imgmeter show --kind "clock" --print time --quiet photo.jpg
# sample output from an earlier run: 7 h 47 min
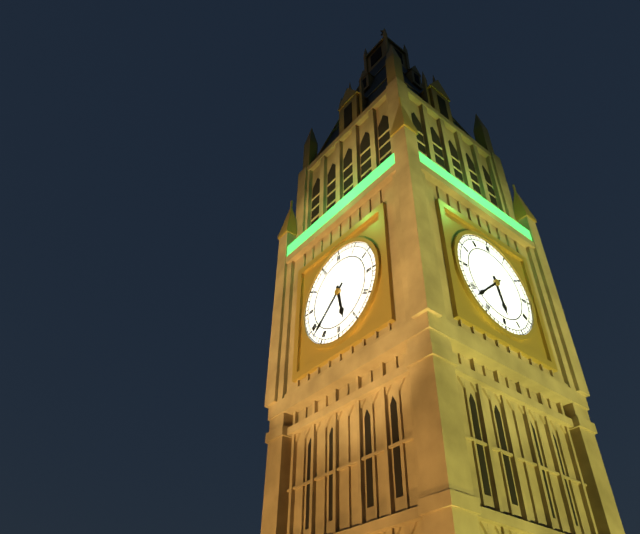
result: 5 h 38 min
